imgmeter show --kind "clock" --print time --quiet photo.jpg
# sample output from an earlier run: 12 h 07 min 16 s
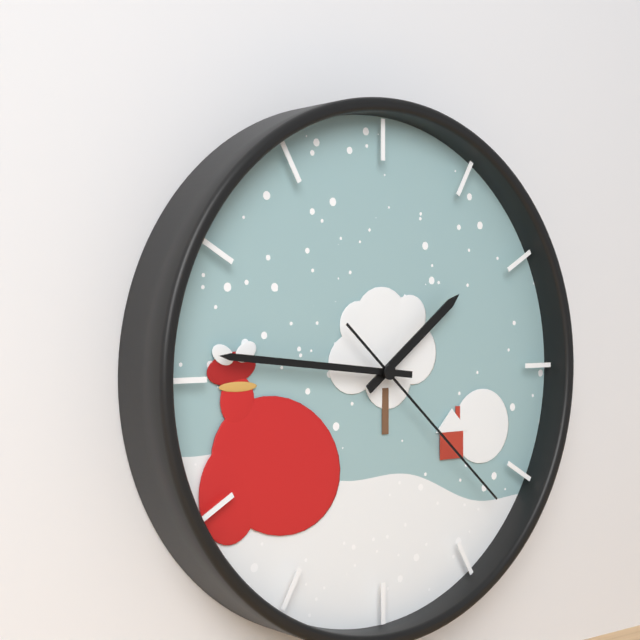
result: 1 h 46 min 22 s
